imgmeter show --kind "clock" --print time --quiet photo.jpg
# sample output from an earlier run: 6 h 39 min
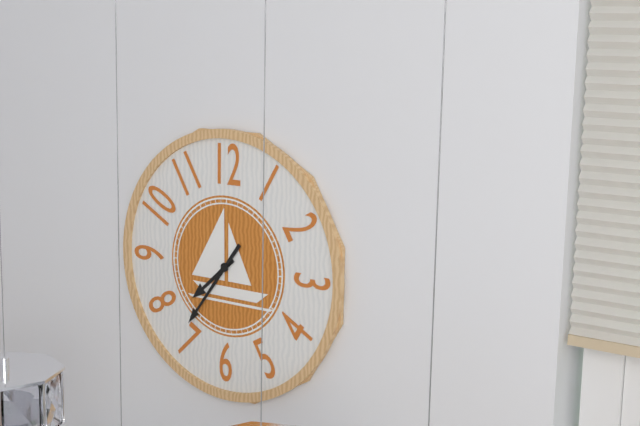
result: 7 h 36 min
